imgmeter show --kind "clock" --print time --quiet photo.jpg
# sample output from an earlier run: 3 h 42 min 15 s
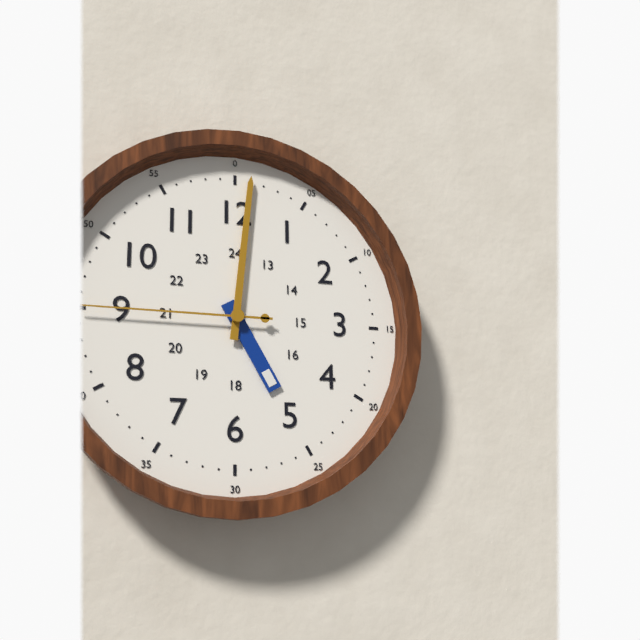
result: 5 h 01 min 45 s
